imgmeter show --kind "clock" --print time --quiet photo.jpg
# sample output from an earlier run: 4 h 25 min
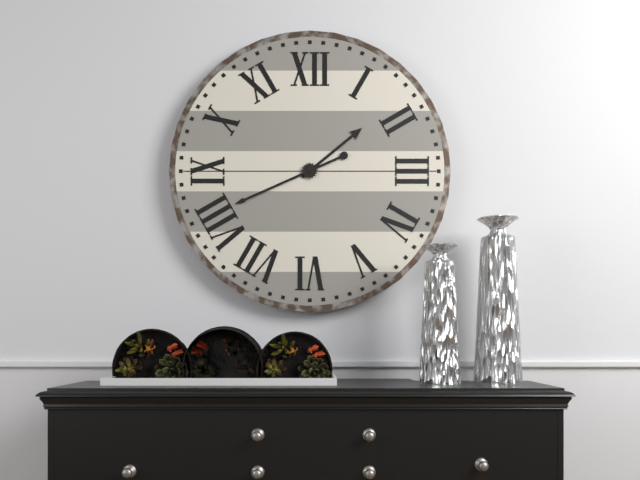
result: 1 h 41 min
